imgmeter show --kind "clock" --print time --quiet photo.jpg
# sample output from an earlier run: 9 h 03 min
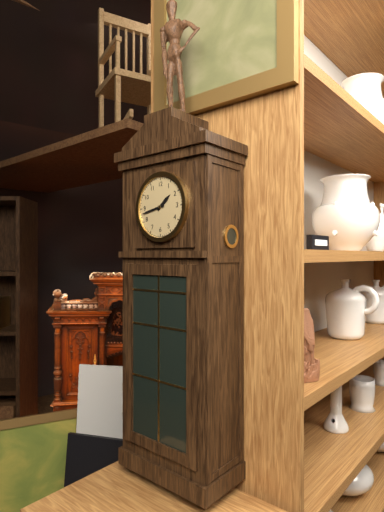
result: 1 h 43 min
